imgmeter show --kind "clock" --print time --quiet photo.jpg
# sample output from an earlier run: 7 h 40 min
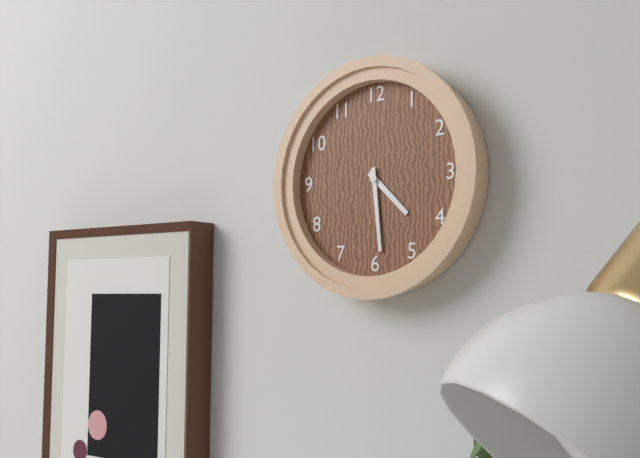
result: 4 h 29 min
